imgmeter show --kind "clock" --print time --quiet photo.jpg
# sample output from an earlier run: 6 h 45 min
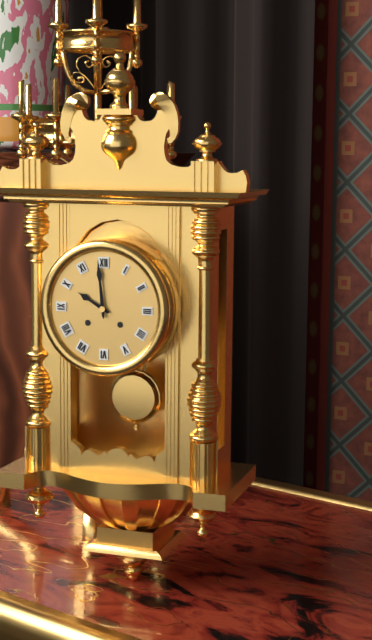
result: 9 h 59 min
